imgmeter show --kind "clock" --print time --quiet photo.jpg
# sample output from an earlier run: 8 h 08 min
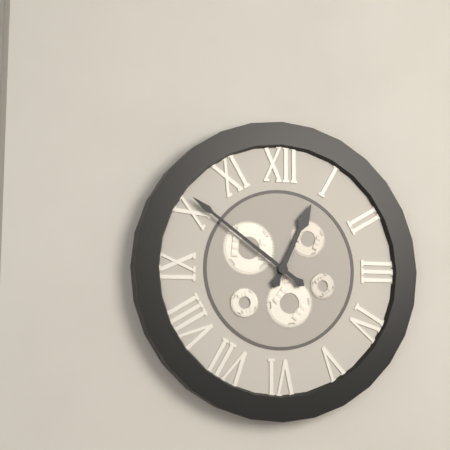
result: 12 h 51 min
